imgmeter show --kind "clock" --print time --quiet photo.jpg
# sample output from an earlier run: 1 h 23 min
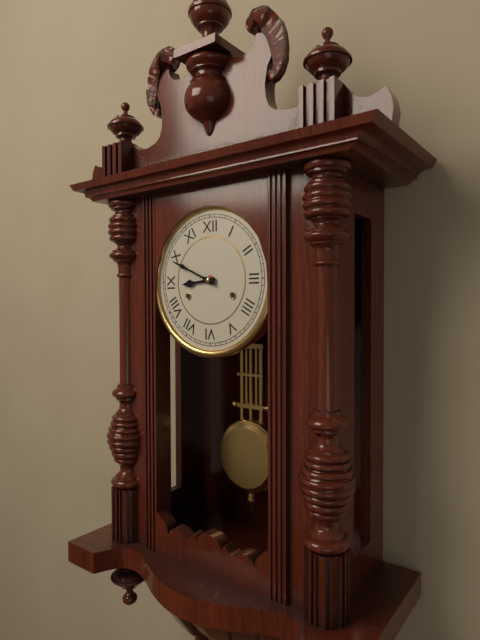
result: 8 h 49 min
